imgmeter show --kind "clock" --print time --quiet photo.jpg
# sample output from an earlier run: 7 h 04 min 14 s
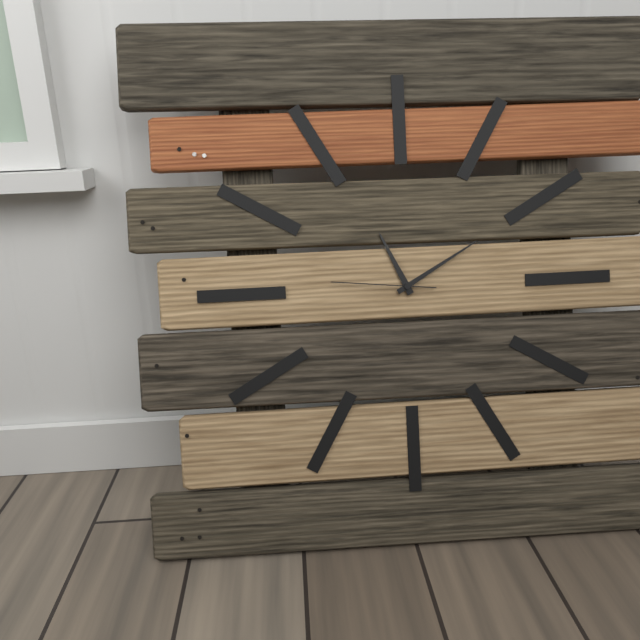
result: 11 h 10 min 46 s
